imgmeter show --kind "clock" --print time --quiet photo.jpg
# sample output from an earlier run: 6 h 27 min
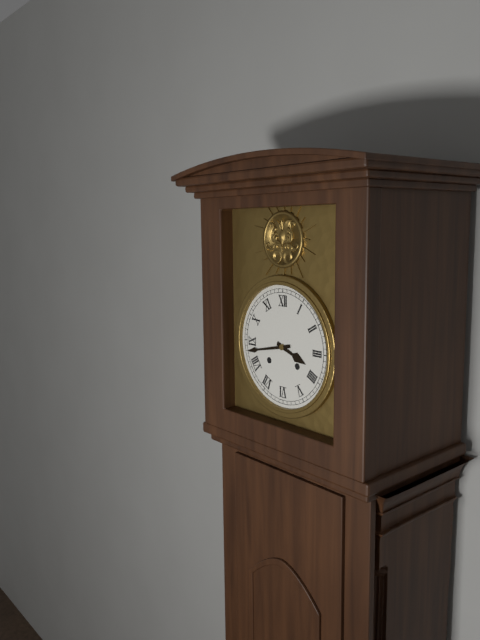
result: 3 h 43 min
